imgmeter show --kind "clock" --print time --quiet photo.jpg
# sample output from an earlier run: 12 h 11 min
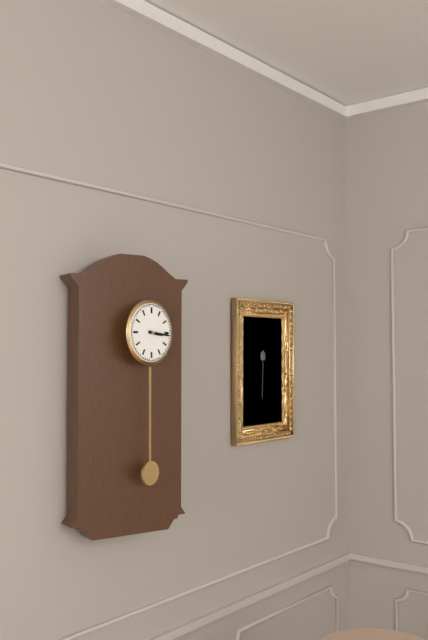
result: 3 h 16 min
